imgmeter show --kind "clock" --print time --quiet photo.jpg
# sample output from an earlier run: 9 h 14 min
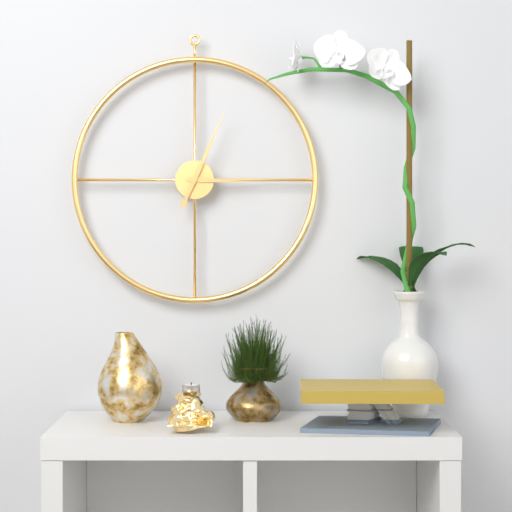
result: 3 h 04 min
